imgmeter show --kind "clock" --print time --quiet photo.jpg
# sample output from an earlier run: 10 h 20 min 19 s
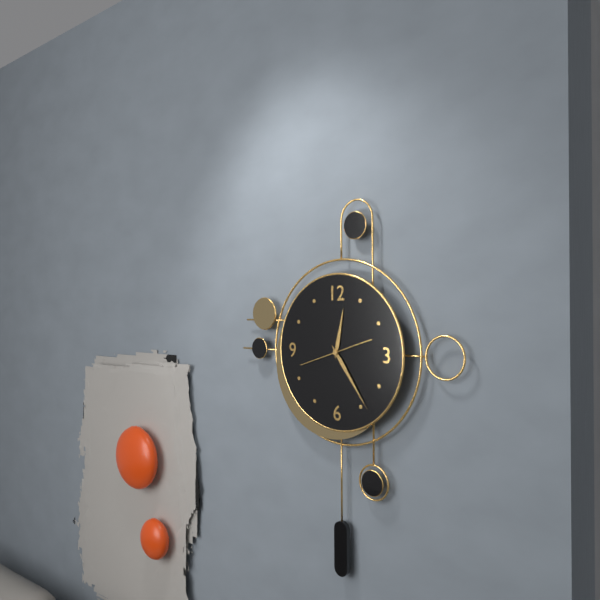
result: 12 h 24 min 42 s
